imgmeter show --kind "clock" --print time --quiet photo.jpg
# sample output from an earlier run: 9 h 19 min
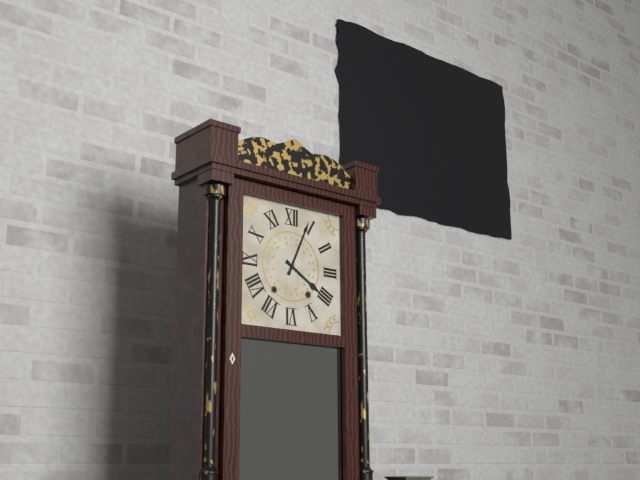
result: 4 h 04 min
